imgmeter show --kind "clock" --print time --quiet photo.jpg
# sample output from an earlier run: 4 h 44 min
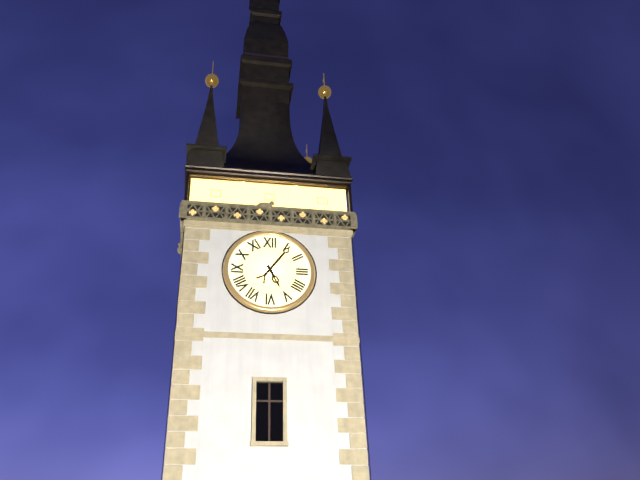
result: 5 h 06 min
